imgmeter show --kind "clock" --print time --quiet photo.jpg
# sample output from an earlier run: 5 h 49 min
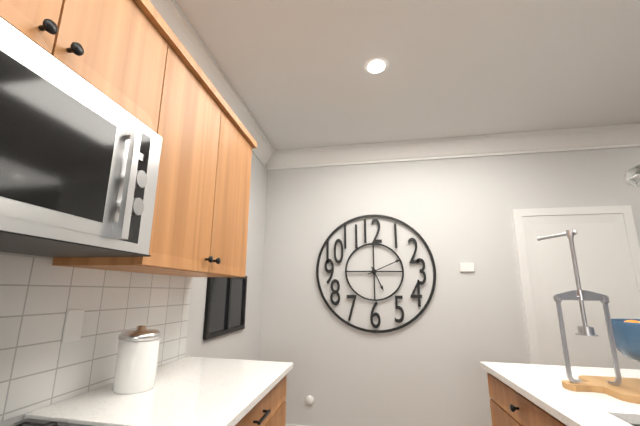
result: 5 h 11 min
